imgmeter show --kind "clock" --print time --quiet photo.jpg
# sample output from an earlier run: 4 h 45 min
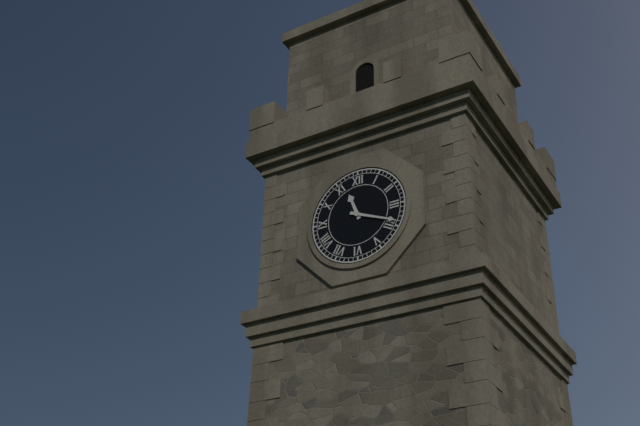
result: 11 h 19 min
